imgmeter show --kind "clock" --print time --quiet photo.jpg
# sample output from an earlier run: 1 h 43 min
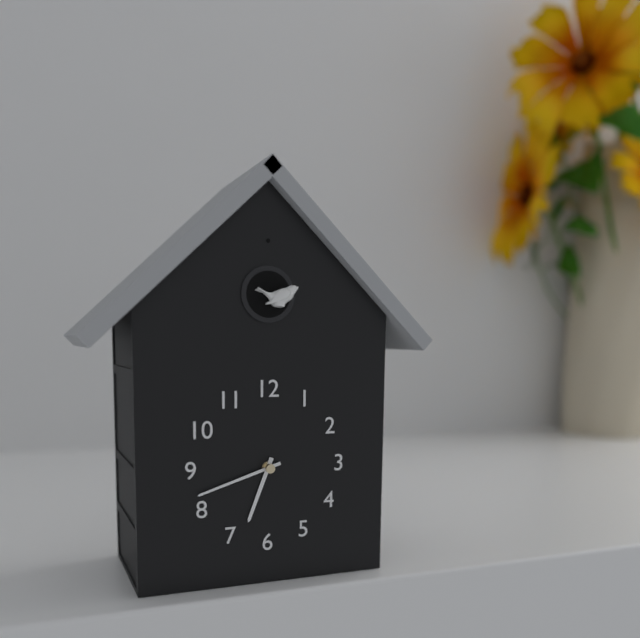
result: 6 h 42 min
